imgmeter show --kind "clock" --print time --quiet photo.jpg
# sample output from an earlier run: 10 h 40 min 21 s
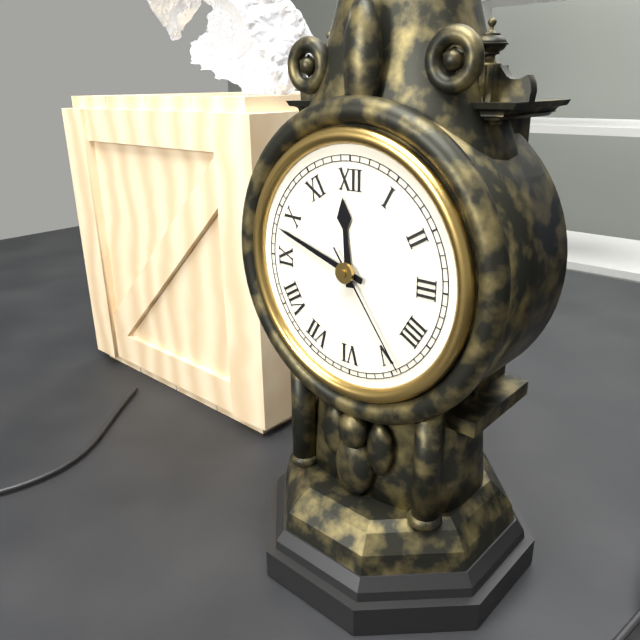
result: 11 h 48 min 24 s
